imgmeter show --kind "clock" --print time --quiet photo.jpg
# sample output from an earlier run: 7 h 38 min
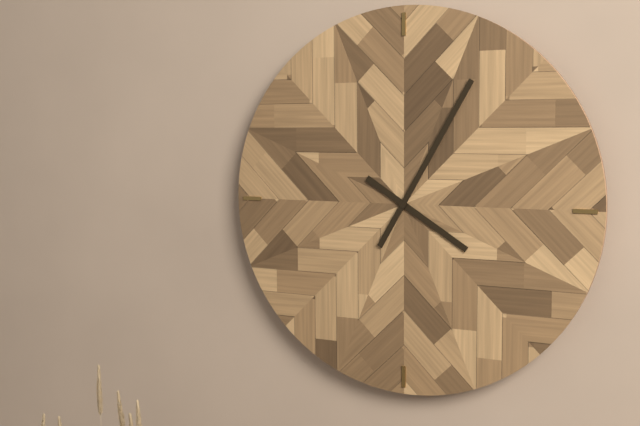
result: 4 h 05 min
